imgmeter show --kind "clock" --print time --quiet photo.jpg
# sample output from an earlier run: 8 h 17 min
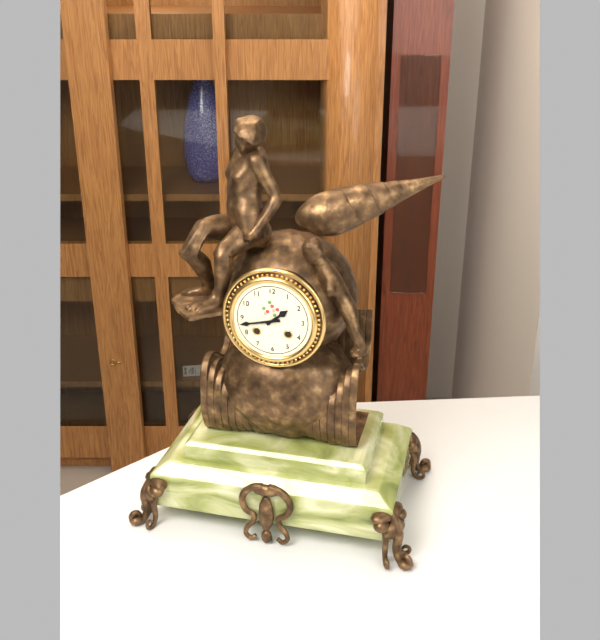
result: 1 h 43 min
